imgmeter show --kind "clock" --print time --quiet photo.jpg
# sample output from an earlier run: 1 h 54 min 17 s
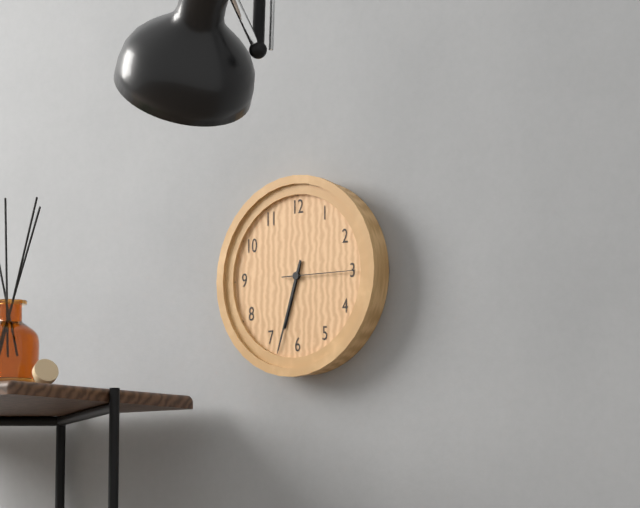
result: 6 h 33 min 15 s
